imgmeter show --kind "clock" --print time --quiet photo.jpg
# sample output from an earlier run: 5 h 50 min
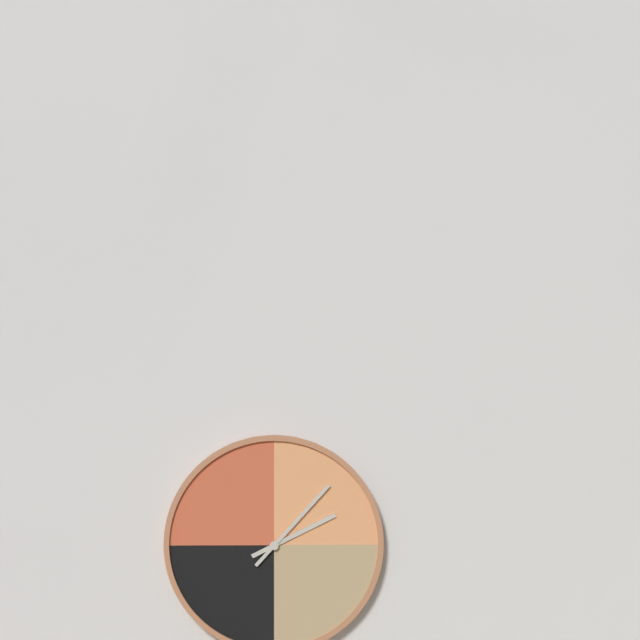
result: 2 h 07 min
